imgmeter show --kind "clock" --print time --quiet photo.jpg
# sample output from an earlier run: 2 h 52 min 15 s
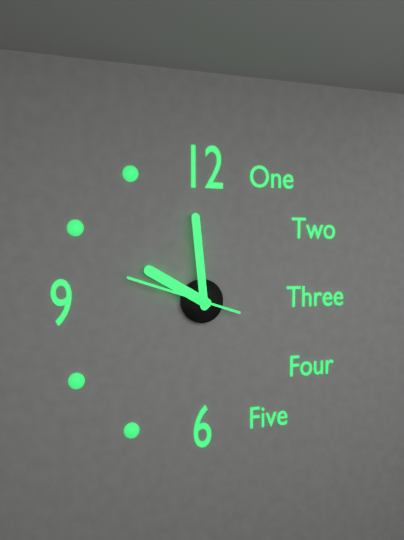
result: 9 h 59 min 48 s
